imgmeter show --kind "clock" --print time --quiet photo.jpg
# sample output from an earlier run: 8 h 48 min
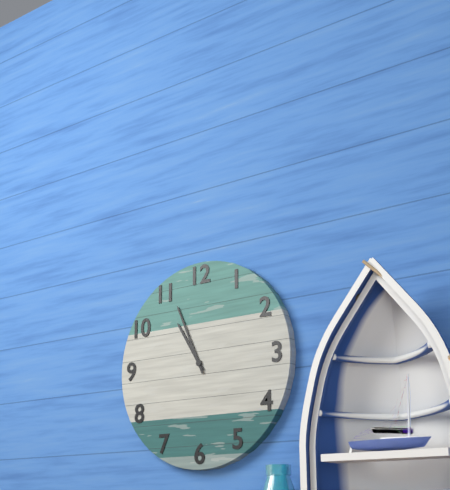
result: 10 h 56 min
